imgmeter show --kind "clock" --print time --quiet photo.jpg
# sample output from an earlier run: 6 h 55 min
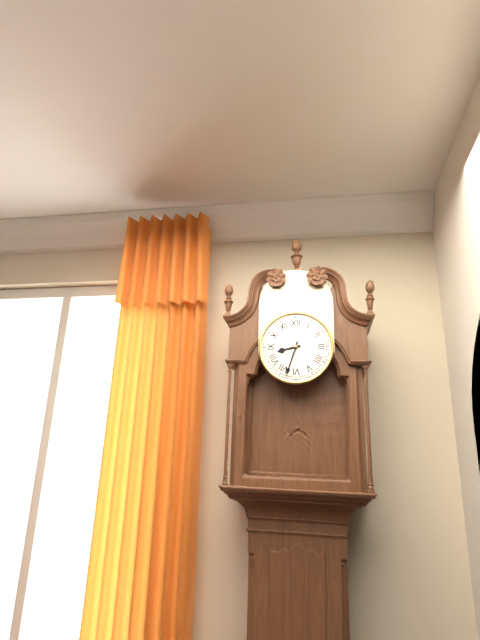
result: 8 h 33 min
